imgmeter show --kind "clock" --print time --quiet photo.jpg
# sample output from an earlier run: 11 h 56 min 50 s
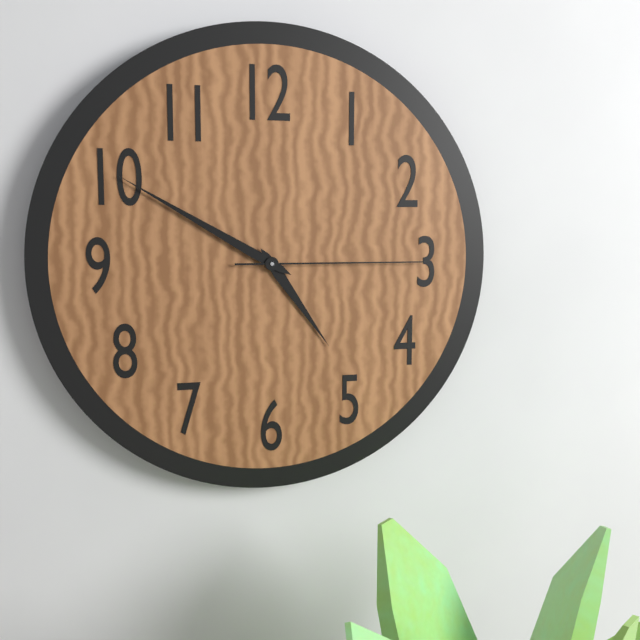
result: 4 h 50 min 15 s
